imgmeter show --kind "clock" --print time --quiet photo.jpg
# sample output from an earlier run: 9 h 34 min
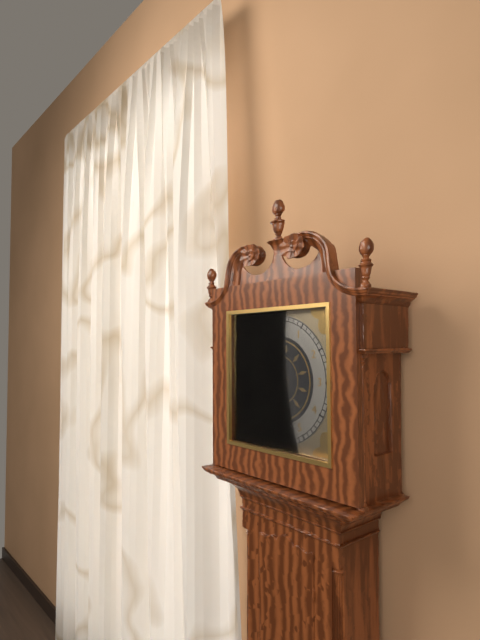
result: 8 h 59 min
